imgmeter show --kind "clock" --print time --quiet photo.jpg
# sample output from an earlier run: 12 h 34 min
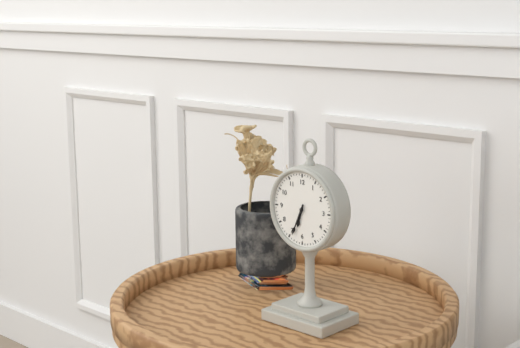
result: 6 h 34 min
